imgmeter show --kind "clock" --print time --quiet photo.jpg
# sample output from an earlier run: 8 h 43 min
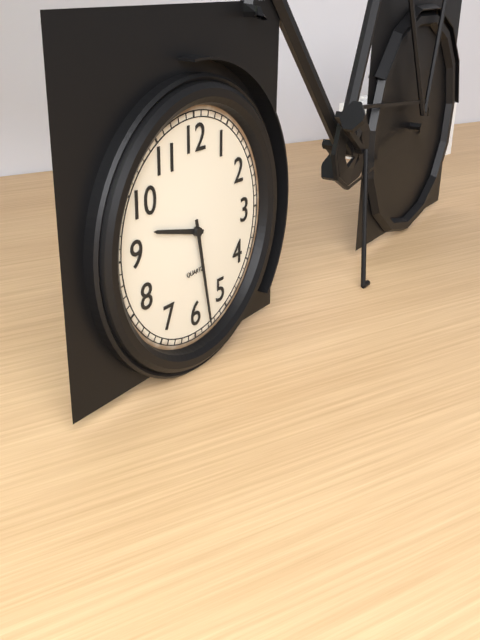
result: 9 h 28 min
